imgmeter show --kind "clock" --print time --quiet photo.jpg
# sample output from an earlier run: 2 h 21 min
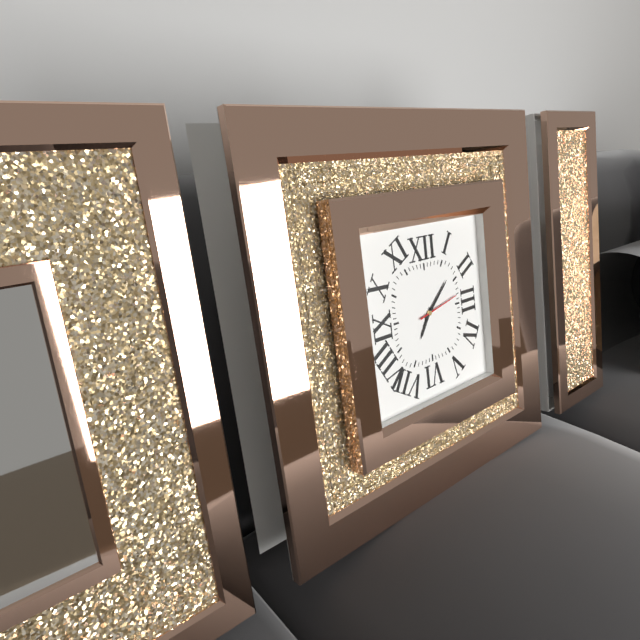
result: 7 h 08 min
